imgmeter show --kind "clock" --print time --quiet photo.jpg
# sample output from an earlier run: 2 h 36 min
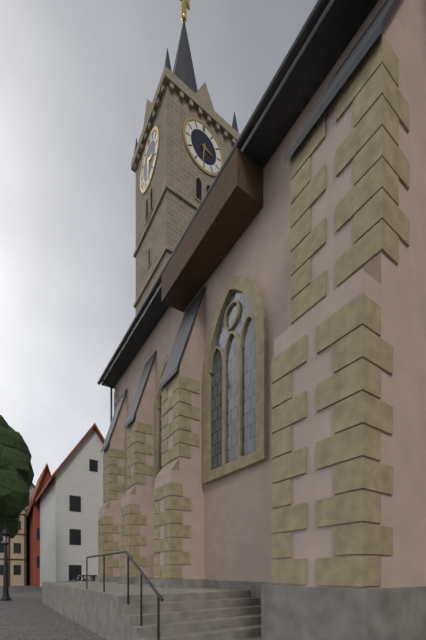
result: 3 h 31 min
